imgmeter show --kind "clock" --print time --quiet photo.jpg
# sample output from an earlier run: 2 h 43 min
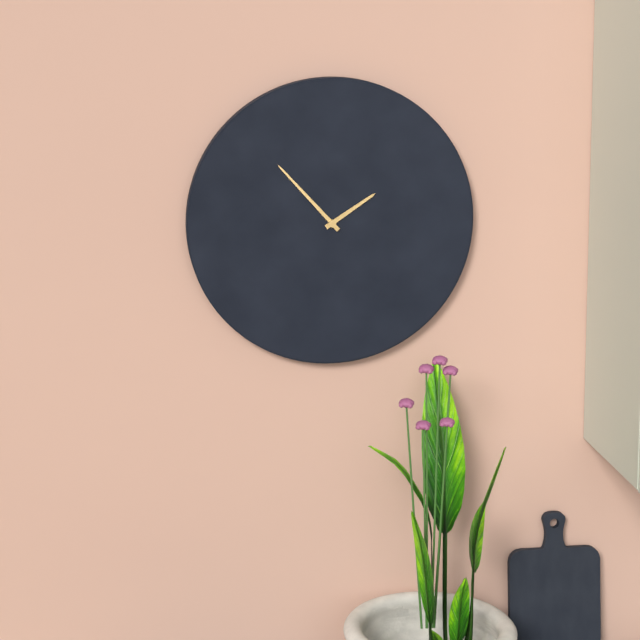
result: 1 h 53 min
